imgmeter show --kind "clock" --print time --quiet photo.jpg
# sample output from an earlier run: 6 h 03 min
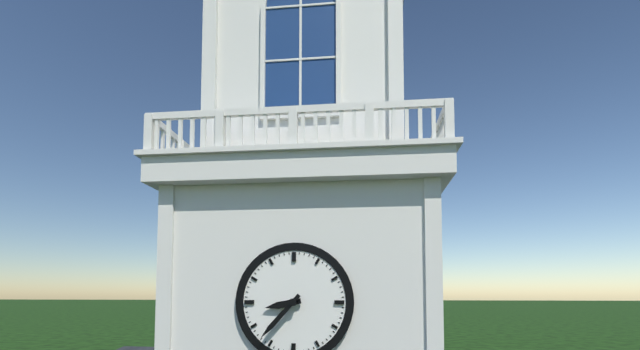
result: 8 h 37 min
